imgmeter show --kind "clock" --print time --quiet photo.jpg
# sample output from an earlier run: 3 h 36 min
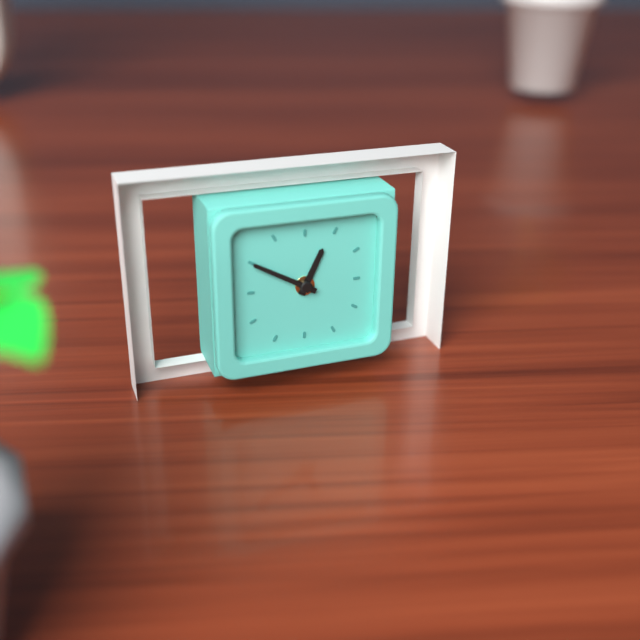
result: 12 h 50 min
